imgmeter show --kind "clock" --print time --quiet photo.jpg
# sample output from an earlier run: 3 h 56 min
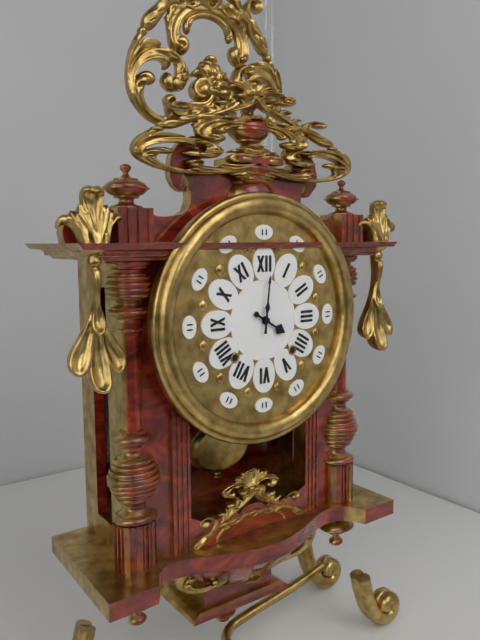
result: 4 h 01 min
